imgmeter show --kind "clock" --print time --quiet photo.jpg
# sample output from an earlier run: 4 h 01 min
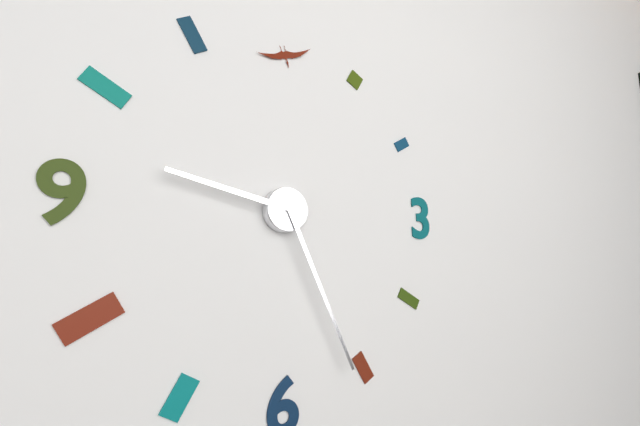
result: 9 h 26 min
